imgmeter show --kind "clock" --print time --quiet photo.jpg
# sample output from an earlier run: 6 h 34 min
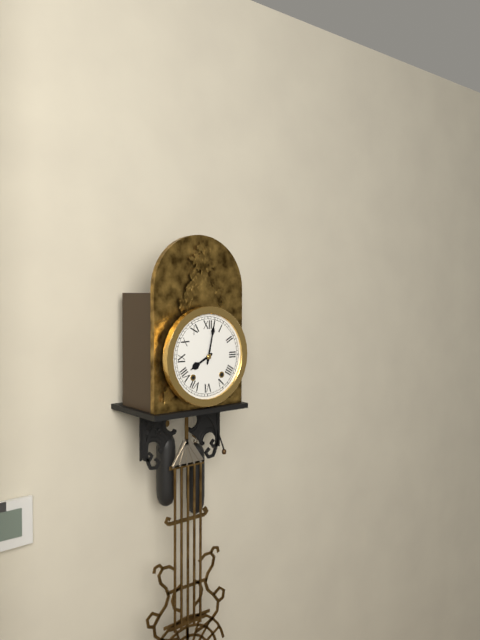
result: 8 h 02 min
